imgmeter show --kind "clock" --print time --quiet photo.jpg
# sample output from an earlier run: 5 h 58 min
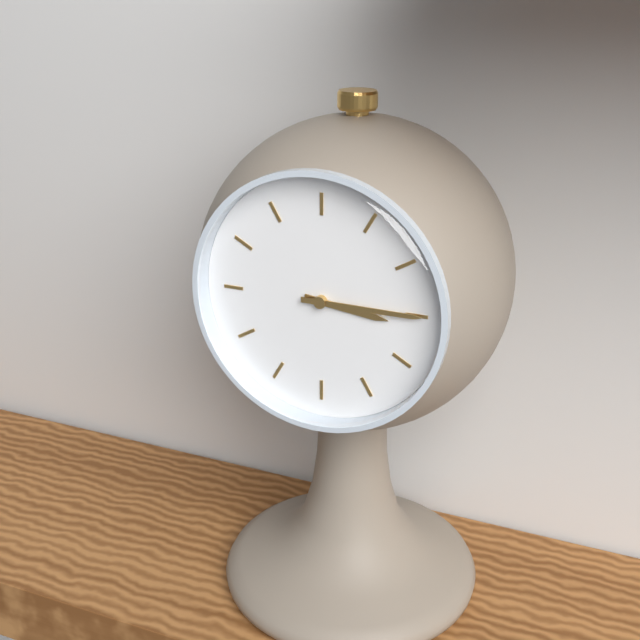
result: 3 h 15 min
